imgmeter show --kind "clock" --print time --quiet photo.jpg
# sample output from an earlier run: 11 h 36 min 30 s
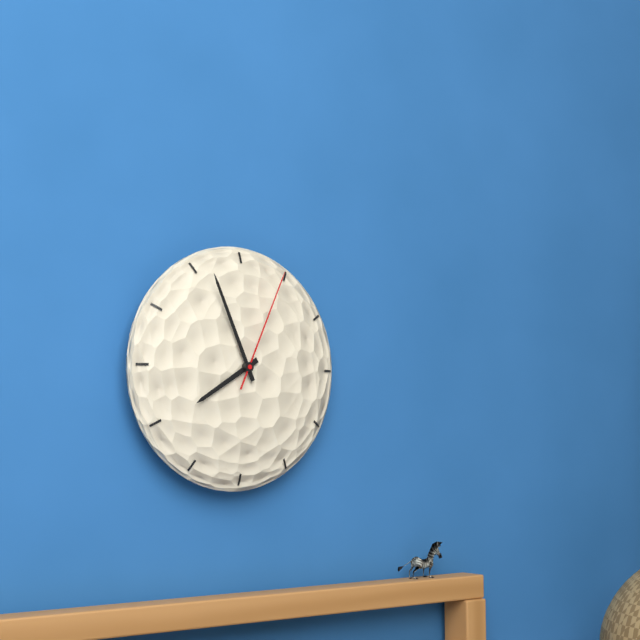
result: 7 h 56 min 04 s
